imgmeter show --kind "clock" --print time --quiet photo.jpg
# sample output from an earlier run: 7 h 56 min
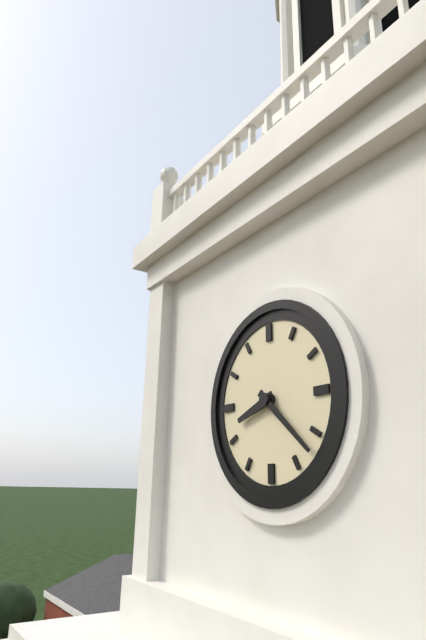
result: 8 h 22 min
